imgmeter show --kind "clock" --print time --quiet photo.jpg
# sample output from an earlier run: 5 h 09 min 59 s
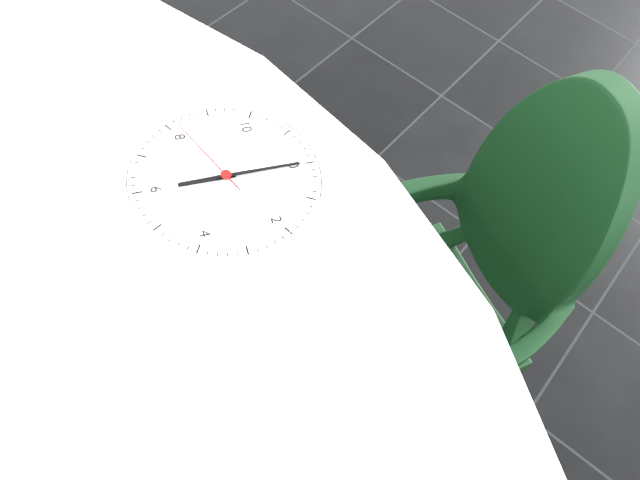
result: 6 h 00 min 41 s
